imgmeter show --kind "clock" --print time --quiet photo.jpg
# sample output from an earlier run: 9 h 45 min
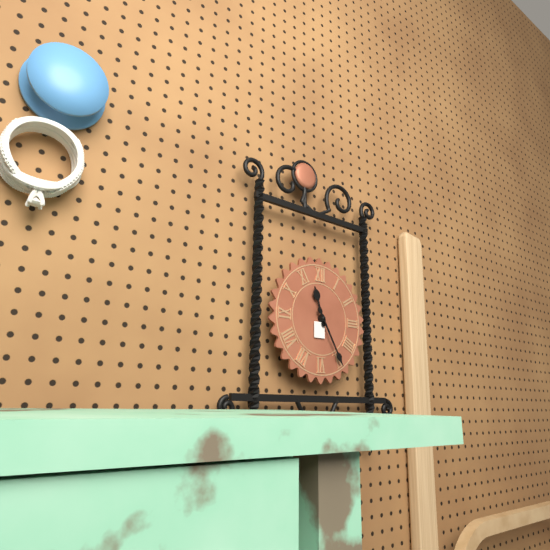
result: 11 h 25 min
